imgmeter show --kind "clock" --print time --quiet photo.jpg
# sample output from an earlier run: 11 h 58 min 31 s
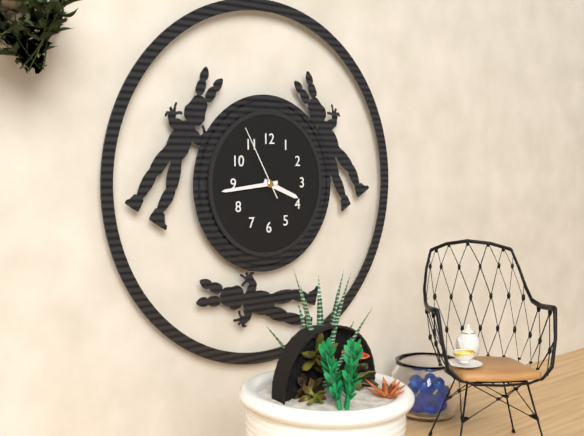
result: 3 h 44 min 55 s
